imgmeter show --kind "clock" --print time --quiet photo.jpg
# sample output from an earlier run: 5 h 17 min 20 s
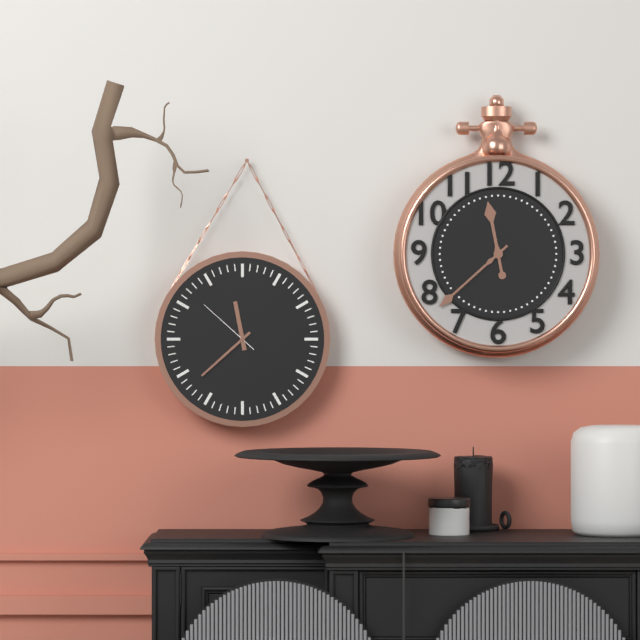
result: 11 h 38 min 52 s
